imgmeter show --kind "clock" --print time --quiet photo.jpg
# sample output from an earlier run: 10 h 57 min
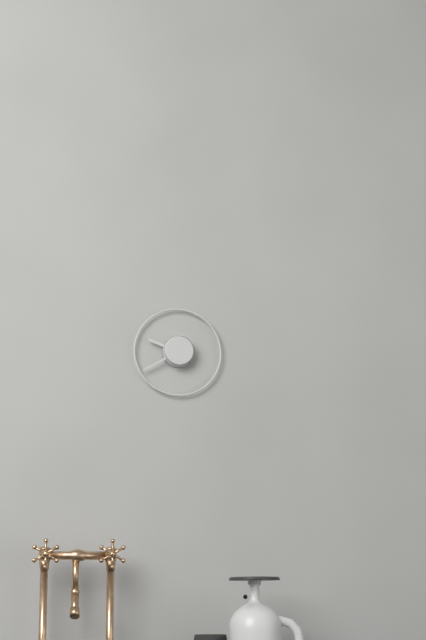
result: 9 h 40 min
